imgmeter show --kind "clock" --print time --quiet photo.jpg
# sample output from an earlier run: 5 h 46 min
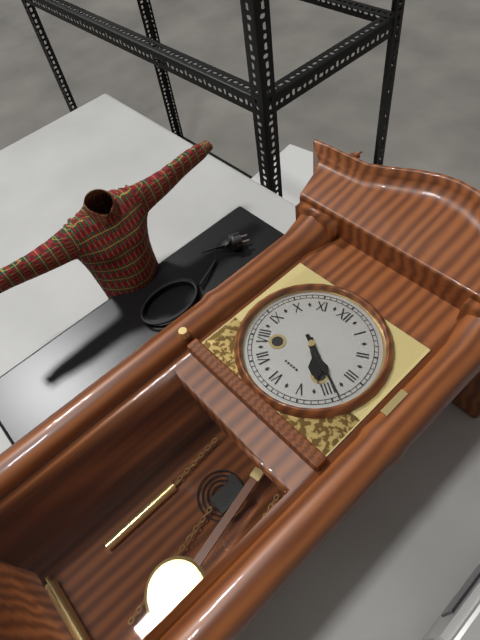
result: 4 h 19 min
